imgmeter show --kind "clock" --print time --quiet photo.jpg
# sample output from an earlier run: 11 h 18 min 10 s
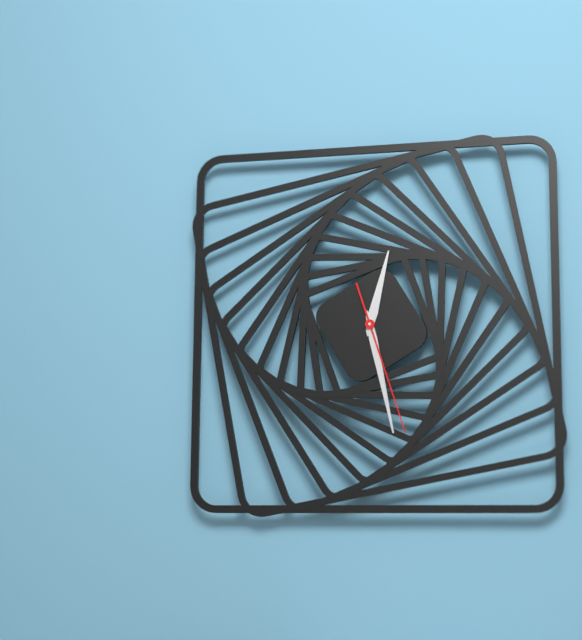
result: 12 h 28 min 27 s
